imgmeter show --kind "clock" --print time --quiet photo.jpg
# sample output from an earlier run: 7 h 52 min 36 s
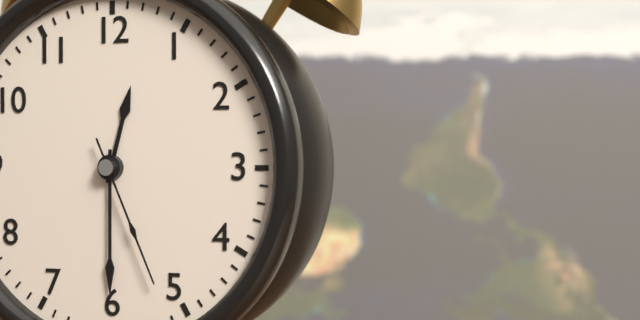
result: 12 h 30 min 26 s
